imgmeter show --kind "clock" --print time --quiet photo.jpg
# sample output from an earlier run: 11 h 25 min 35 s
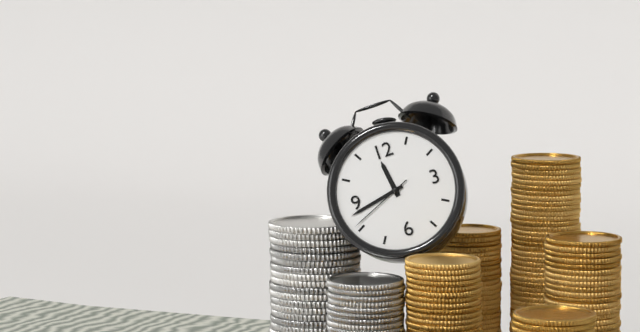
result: 11 h 43 min 41 s
